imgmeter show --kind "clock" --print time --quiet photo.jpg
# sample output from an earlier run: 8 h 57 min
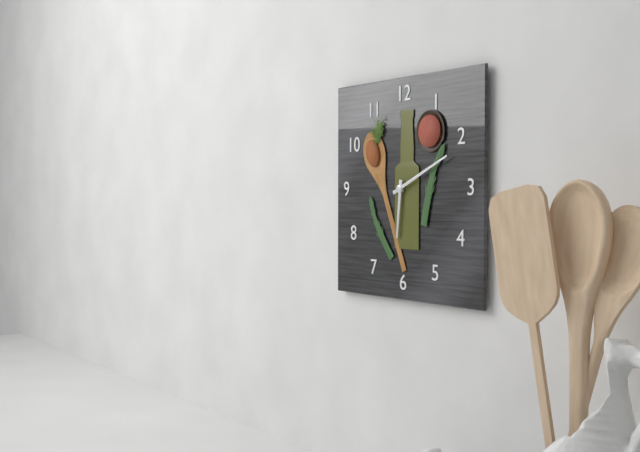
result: 6 h 11 min
